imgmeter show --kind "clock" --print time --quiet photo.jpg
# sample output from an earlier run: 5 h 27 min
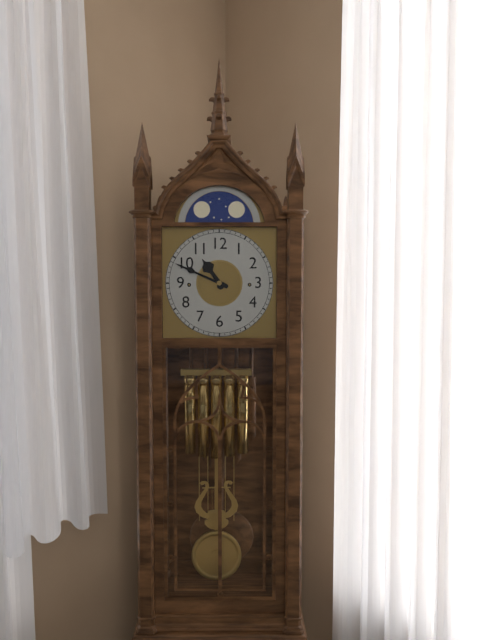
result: 10 h 49 min
